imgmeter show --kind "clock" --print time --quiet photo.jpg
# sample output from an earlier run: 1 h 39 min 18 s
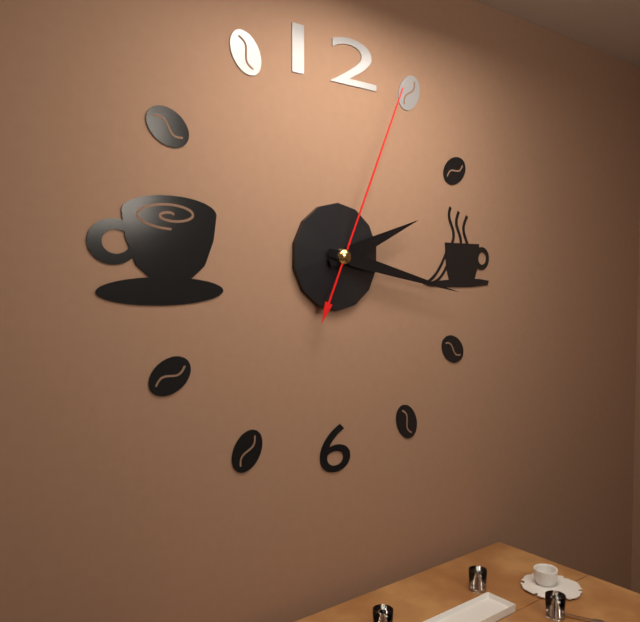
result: 2 h 17 min 04 s
